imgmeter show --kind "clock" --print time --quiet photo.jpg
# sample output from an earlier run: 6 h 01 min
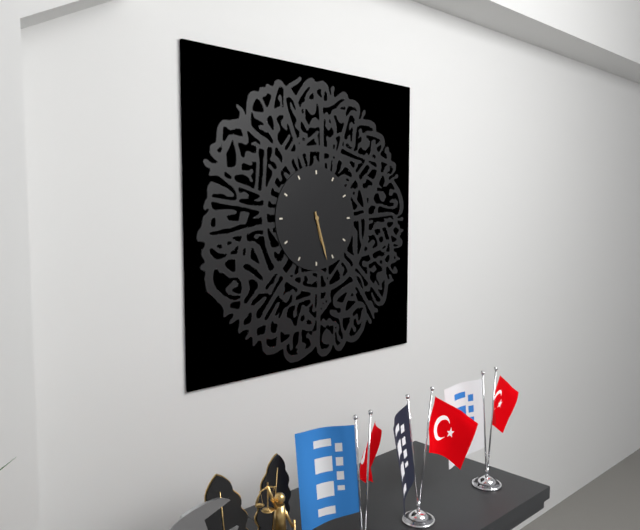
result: 5 h 27 min
